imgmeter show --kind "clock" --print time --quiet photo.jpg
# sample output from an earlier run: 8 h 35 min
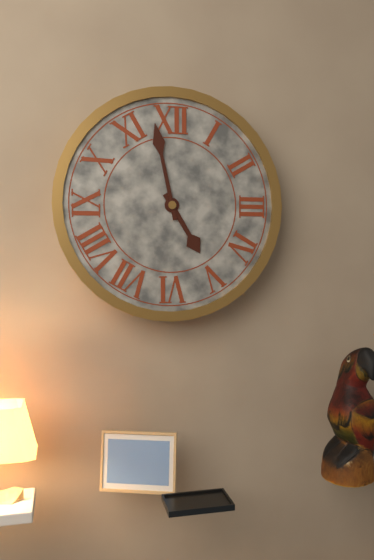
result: 4 h 58 min
